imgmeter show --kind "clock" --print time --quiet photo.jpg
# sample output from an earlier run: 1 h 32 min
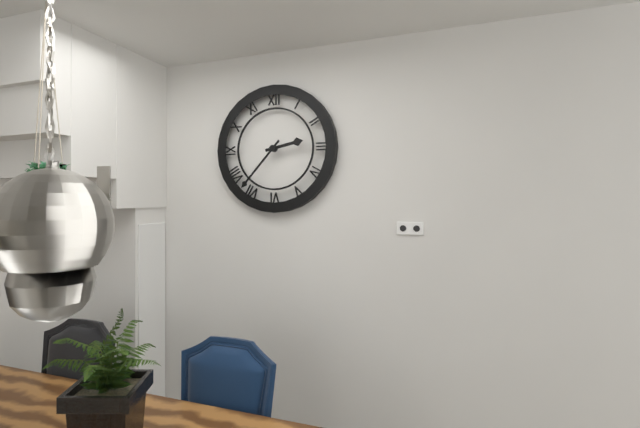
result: 2 h 37 min
